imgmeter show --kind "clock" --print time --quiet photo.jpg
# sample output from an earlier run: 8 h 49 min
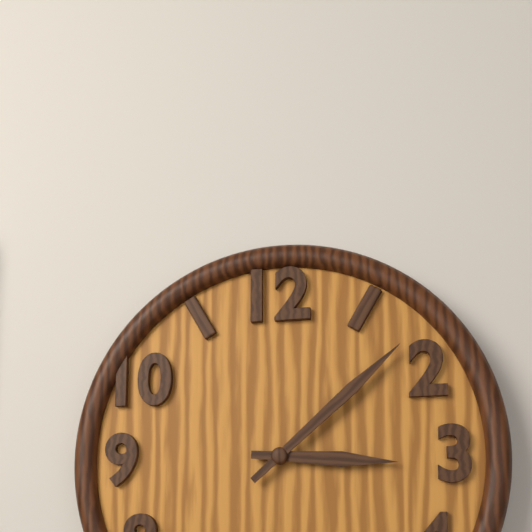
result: 3 h 08 min
